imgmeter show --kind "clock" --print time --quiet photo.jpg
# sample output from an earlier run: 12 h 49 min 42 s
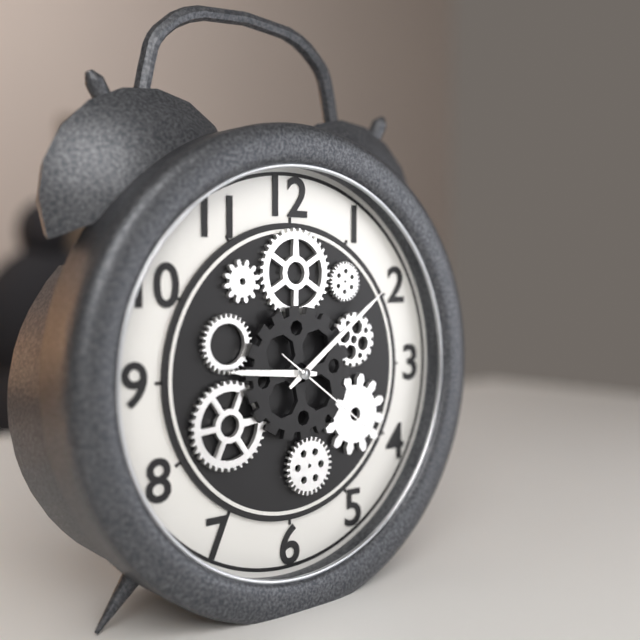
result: 9 h 09 min 21 s
